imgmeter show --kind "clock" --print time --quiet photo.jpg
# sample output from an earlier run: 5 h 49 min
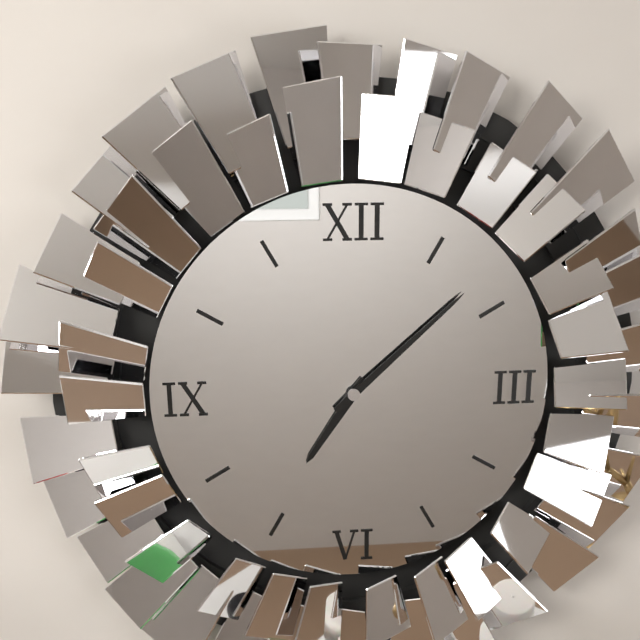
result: 7 h 08 min
